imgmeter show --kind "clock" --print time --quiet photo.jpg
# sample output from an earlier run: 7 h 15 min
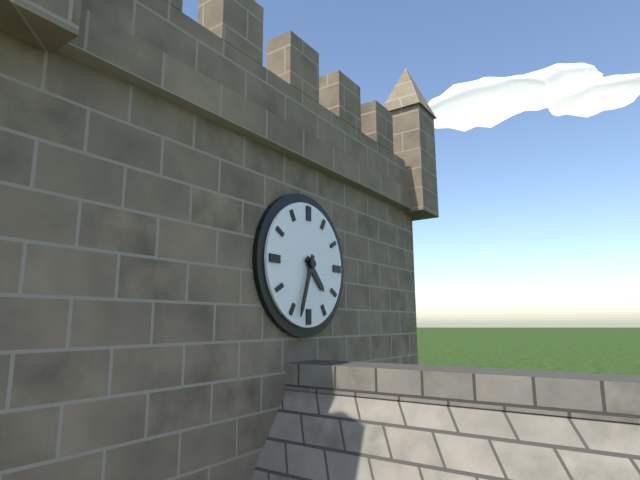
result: 4 h 33 min
